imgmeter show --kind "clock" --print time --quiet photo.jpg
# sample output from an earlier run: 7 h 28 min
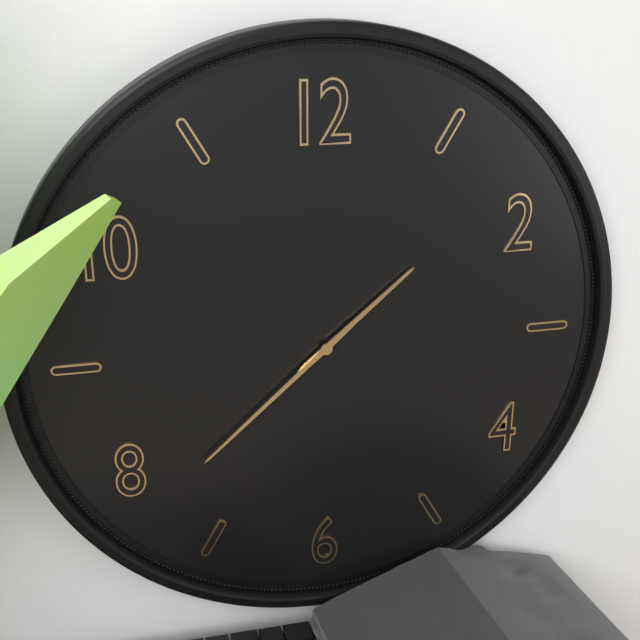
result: 1 h 38 min
